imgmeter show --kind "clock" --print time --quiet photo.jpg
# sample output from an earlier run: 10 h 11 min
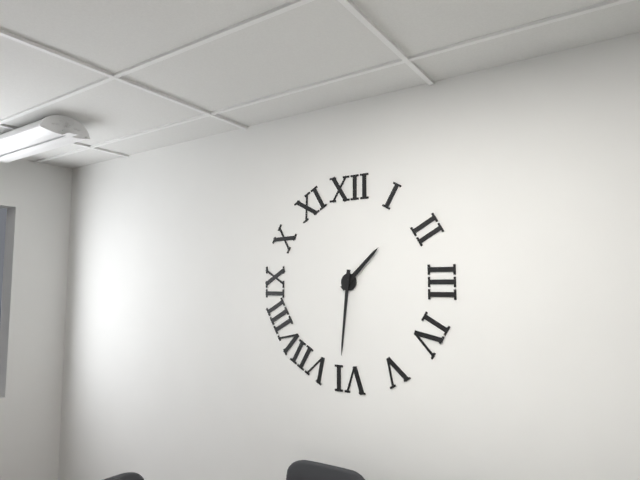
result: 1 h 31 min
